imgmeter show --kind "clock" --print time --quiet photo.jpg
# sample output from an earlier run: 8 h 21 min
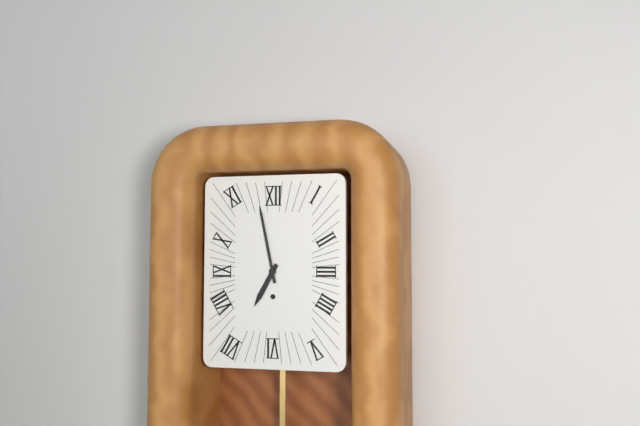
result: 6 h 58 min
